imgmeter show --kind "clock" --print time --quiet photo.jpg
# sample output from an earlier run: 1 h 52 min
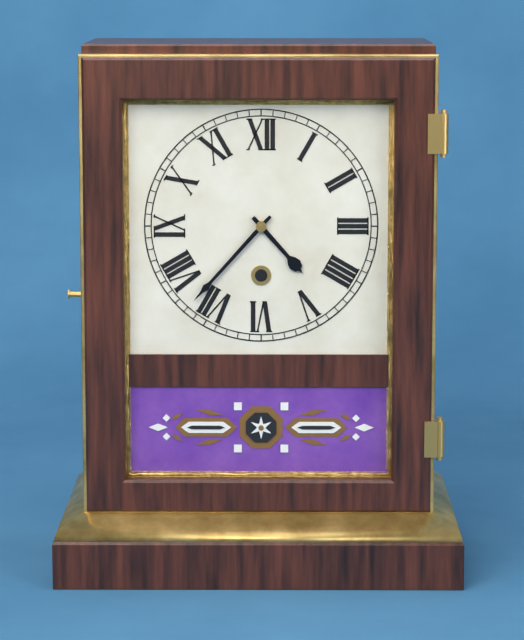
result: 4 h 37 min
